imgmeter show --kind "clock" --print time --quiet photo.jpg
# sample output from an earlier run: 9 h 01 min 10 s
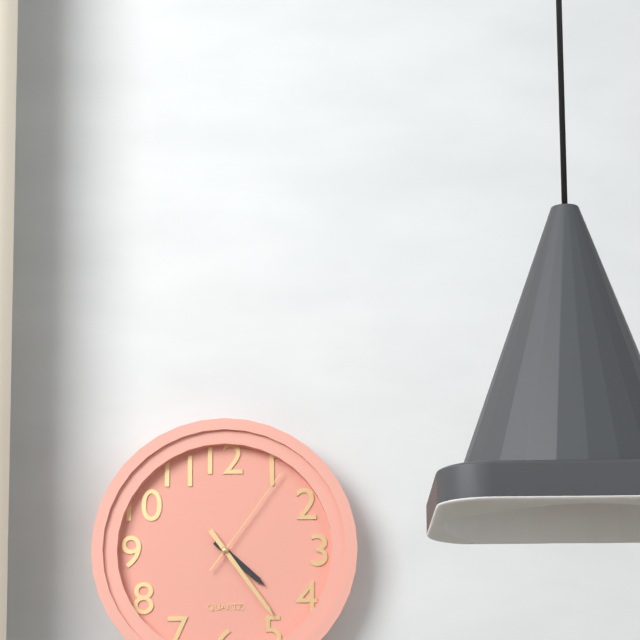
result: 4 h 24 min 06 s
